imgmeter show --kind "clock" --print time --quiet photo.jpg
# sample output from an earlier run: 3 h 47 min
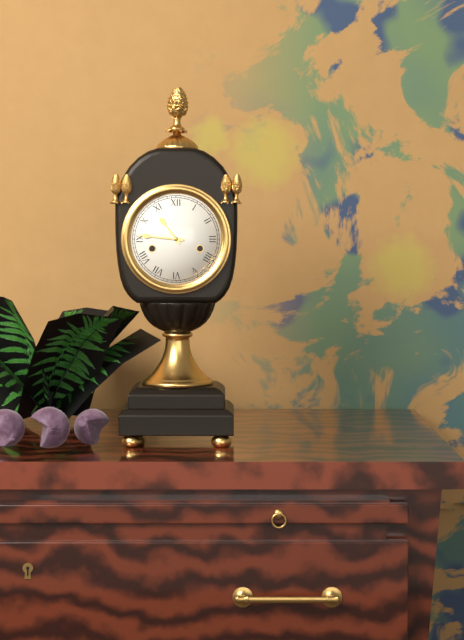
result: 10 h 46 min
